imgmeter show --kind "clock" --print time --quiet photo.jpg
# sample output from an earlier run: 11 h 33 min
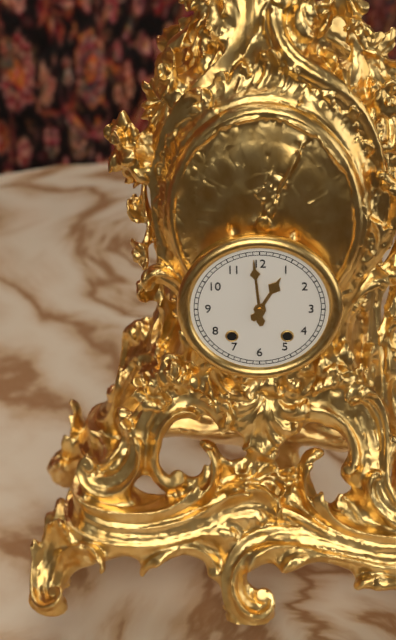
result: 12 h 59 min
